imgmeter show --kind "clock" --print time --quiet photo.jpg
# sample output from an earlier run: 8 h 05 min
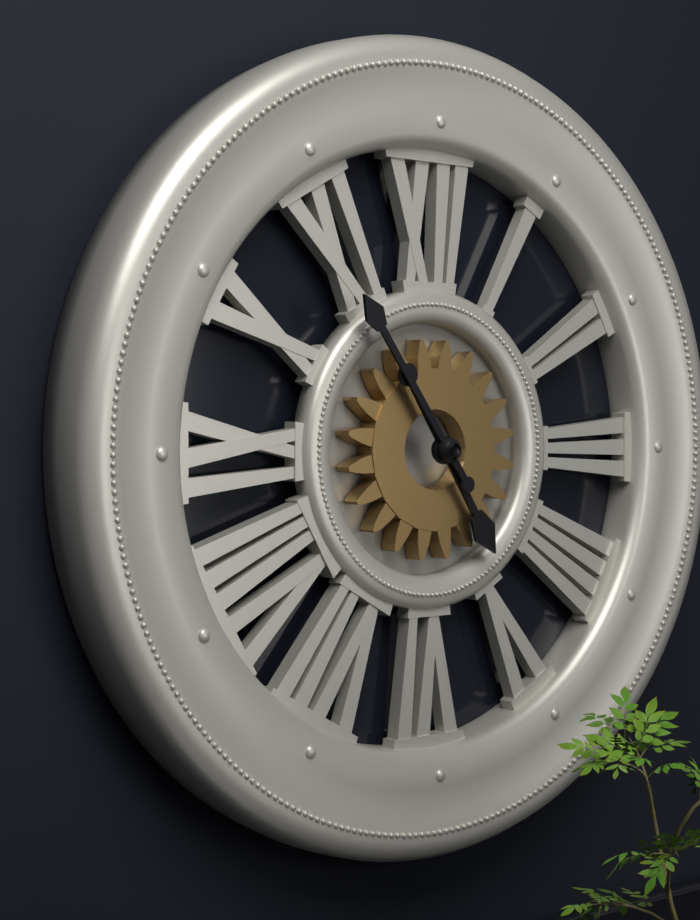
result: 4 h 54 min
